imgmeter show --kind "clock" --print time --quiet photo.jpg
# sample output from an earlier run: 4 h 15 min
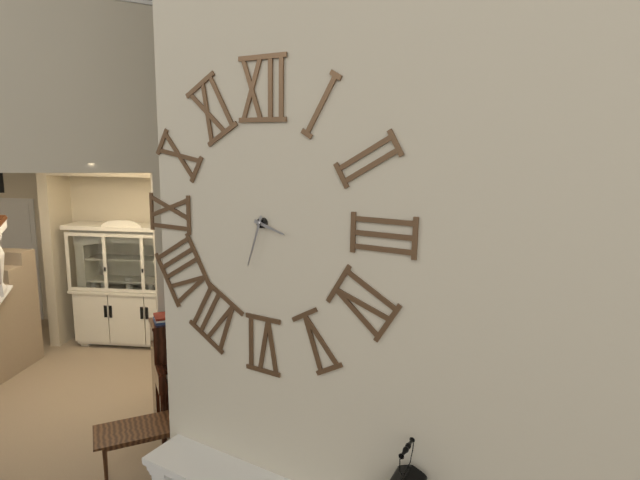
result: 3 h 33 min
